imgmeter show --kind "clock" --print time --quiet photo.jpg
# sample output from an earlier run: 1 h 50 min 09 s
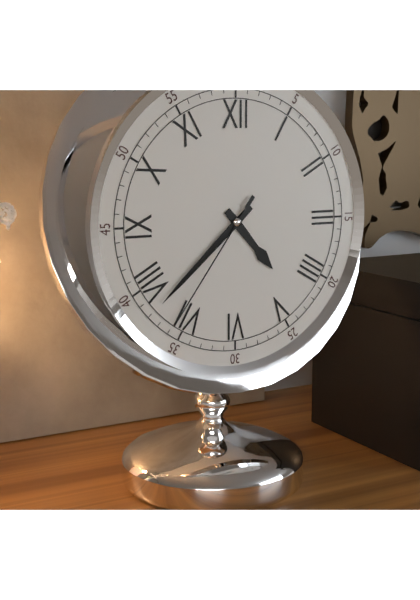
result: 4 h 38 min 36 s
